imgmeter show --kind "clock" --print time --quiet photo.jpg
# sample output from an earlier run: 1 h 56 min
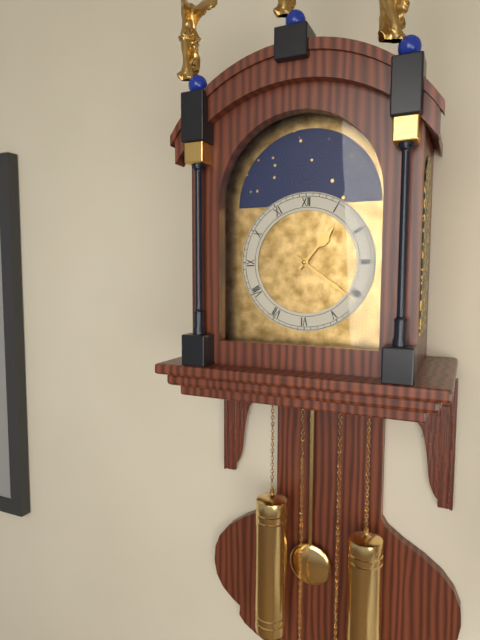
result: 1 h 21 min
